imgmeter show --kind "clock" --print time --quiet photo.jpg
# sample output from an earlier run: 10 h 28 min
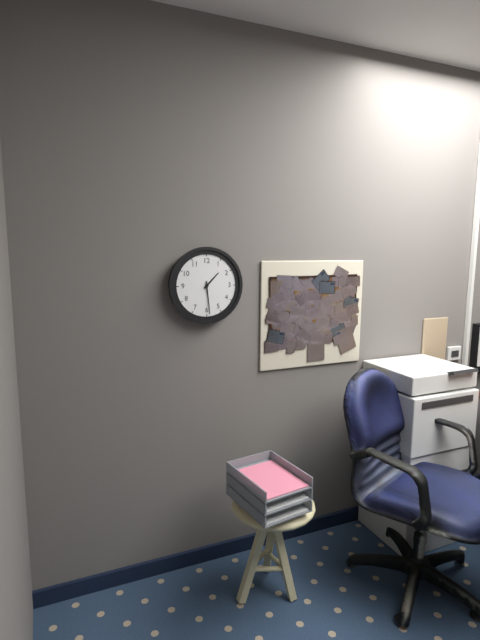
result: 1 h 29 min
